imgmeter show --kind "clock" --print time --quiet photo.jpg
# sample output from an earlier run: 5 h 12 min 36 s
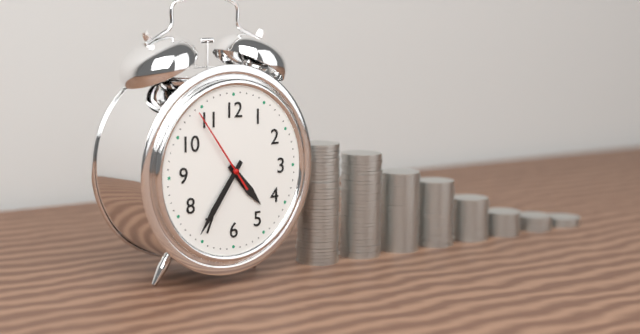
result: 4 h 36 min 54 s
